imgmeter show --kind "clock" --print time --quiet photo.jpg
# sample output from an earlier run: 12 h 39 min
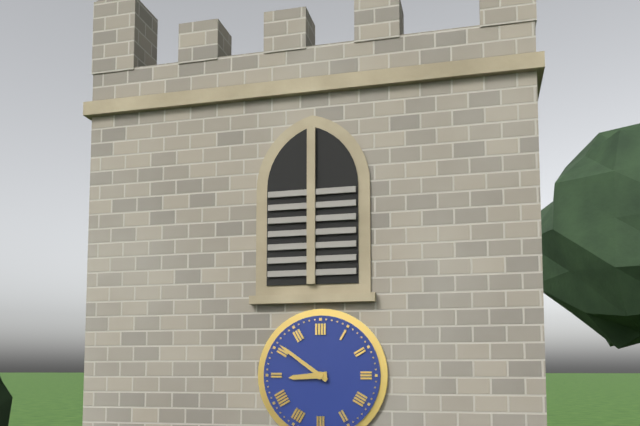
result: 8 h 51 min
